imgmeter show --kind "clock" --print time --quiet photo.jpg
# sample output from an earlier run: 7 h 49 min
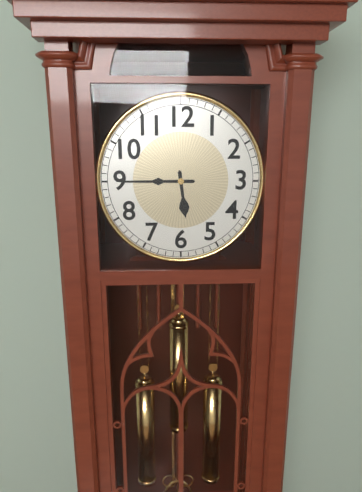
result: 5 h 45 min
